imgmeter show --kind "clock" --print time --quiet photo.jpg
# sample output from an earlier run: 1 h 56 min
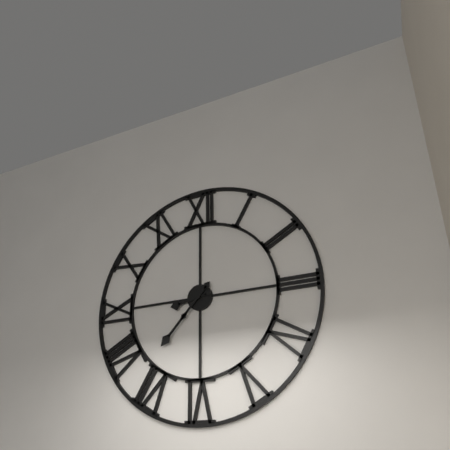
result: 8 h 37 min
